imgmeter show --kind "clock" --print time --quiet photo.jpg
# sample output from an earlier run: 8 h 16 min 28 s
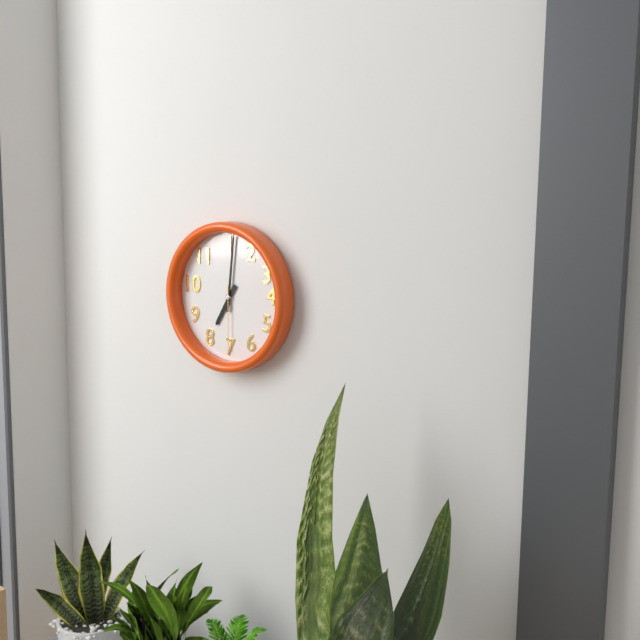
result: 7 h 01 min 30 s
